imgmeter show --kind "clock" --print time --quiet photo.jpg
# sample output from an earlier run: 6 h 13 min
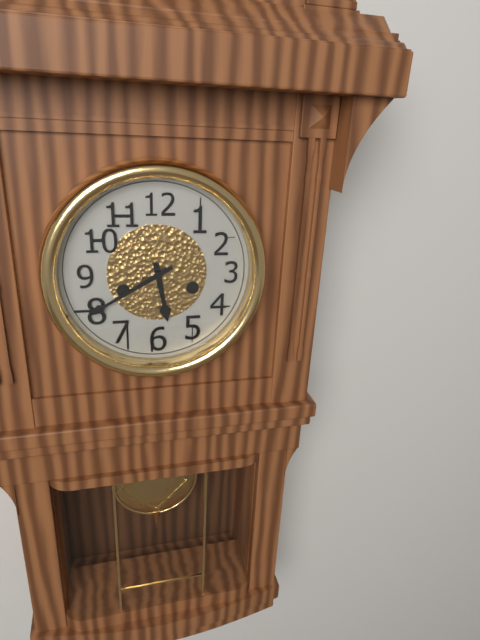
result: 5 h 40 min
